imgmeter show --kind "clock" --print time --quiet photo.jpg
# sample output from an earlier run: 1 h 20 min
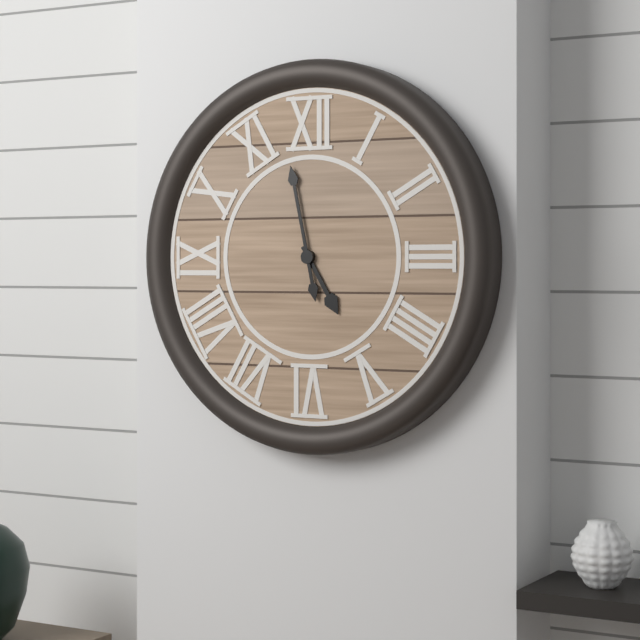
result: 4 h 58 min
